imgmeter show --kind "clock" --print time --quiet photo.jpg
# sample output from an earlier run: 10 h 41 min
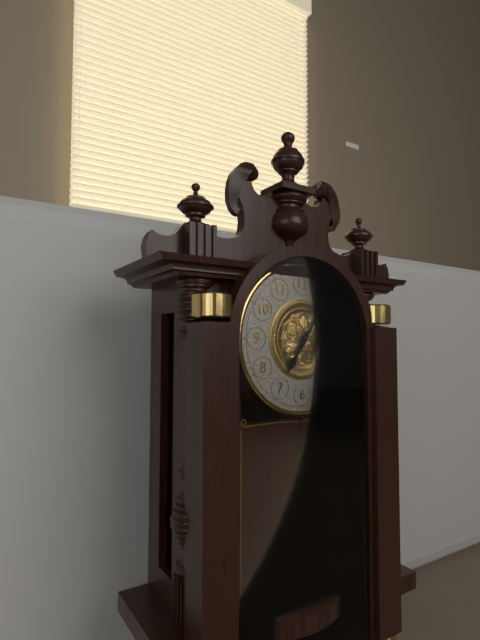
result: 7 h 06 min
